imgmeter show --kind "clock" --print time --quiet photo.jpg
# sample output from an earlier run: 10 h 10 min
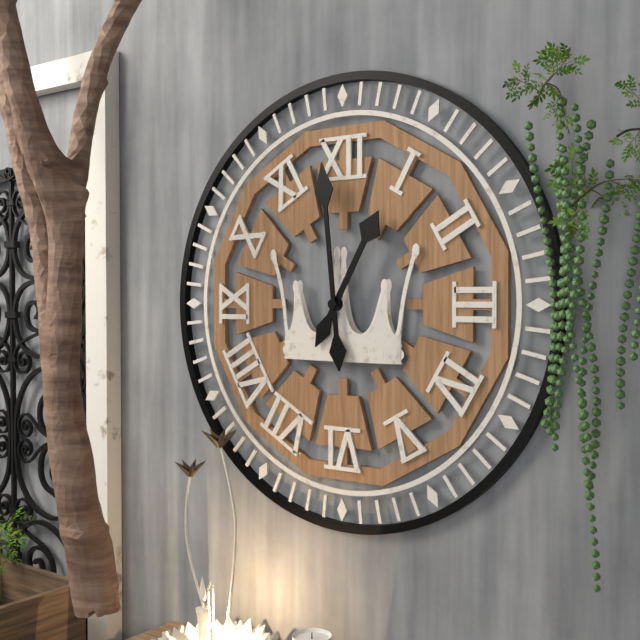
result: 12 h 59 min
